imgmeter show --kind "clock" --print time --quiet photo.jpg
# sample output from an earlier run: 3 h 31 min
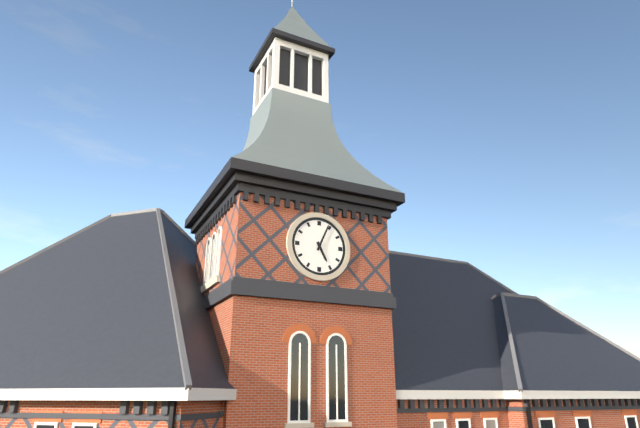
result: 5 h 04 min
